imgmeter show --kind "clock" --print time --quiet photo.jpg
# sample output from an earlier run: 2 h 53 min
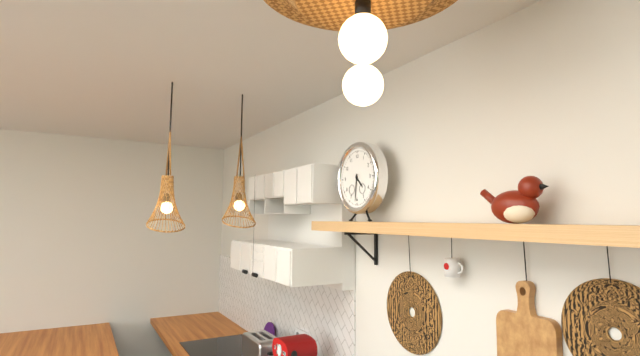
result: 4 h 31 min
